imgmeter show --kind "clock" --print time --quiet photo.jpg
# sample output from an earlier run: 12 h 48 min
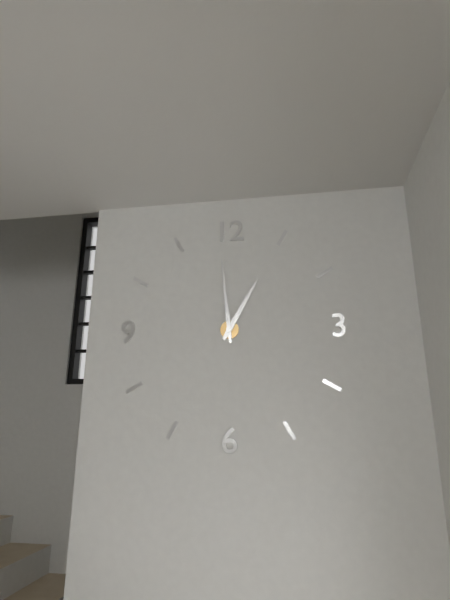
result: 12 h 59 min
